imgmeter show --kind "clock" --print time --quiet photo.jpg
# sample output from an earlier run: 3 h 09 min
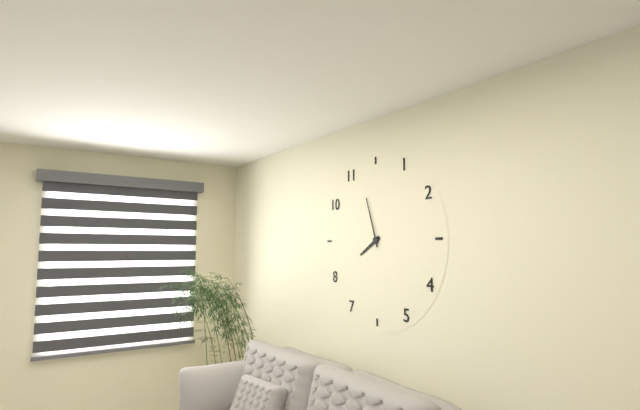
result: 7 h 57 min
